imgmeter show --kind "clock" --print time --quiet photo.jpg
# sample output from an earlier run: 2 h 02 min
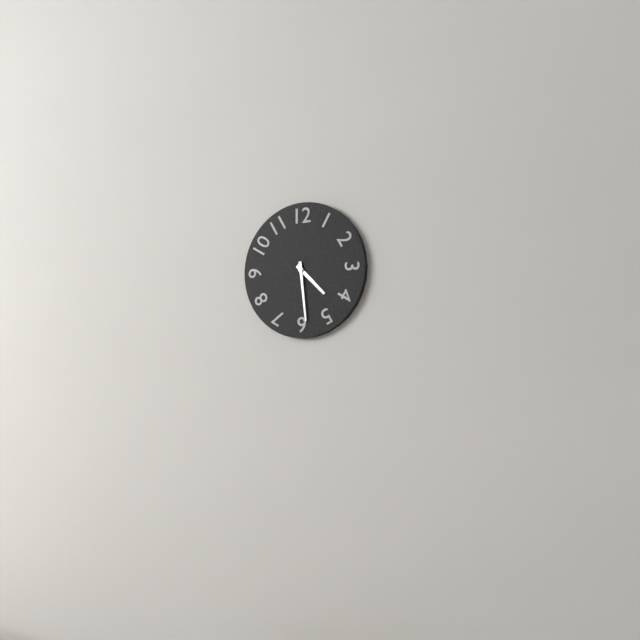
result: 4 h 29 min
